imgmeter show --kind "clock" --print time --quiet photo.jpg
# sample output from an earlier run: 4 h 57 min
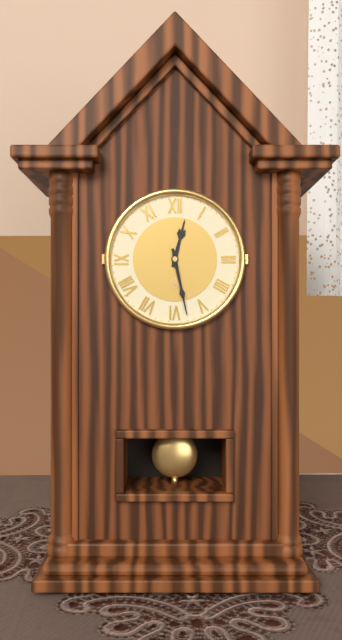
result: 12 h 28 min
